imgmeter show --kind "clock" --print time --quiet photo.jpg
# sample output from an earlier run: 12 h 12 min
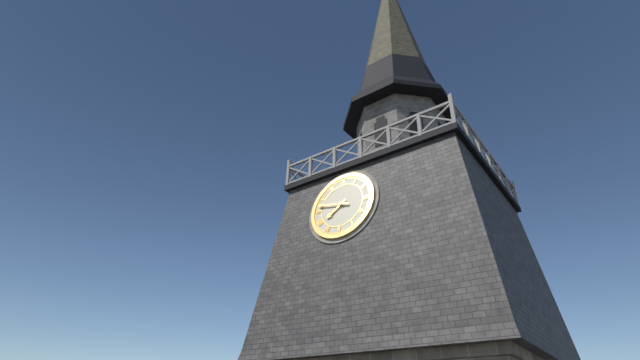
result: 7 h 47 min
